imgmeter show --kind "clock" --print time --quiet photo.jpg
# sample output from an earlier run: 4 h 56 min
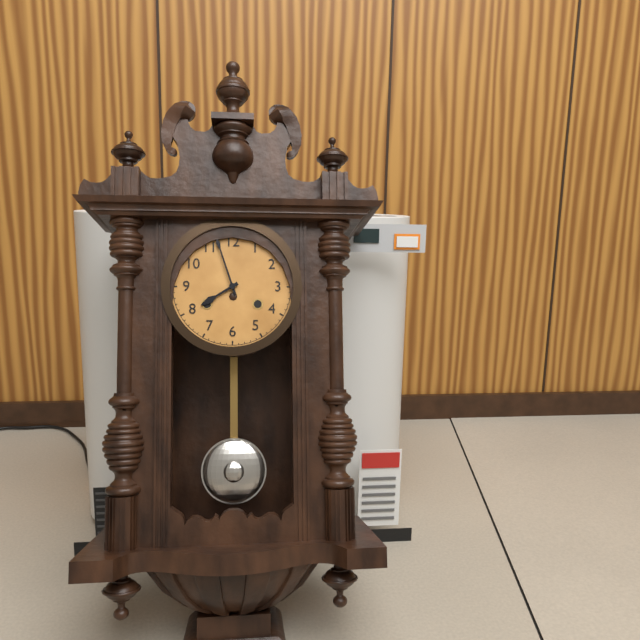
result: 7 h 57 min
